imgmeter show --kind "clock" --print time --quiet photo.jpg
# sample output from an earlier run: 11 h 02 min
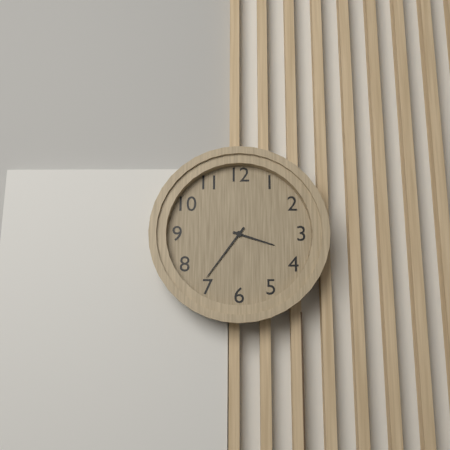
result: 3 h 36 min
